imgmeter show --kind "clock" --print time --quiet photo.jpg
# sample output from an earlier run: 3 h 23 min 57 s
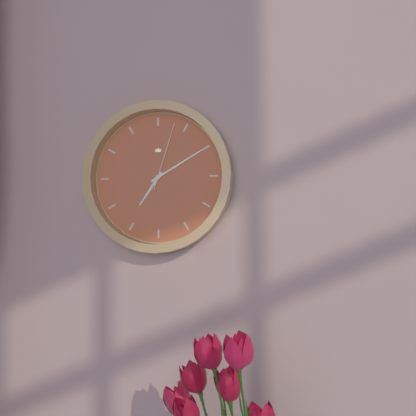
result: 7 h 10 min 03 s
